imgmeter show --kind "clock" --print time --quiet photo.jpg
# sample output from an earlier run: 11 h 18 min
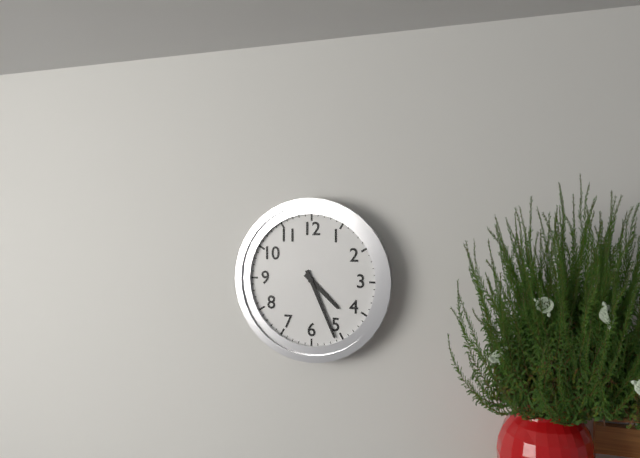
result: 4 h 26 min
